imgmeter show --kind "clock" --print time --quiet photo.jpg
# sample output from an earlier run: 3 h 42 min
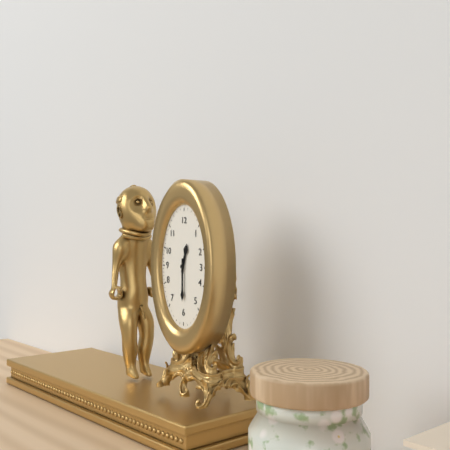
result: 12 h 30 min
